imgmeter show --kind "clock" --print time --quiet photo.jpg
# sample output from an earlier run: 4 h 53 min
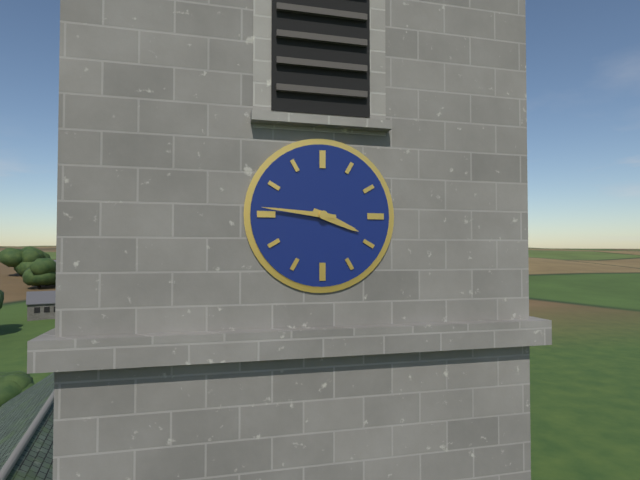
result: 3 h 46 min
